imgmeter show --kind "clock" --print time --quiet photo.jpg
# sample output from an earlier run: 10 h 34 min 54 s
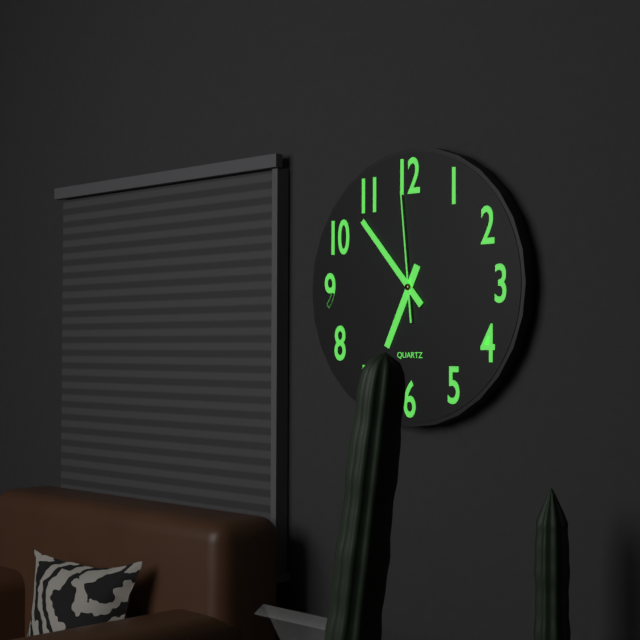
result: 6 h 53 min 59 s
